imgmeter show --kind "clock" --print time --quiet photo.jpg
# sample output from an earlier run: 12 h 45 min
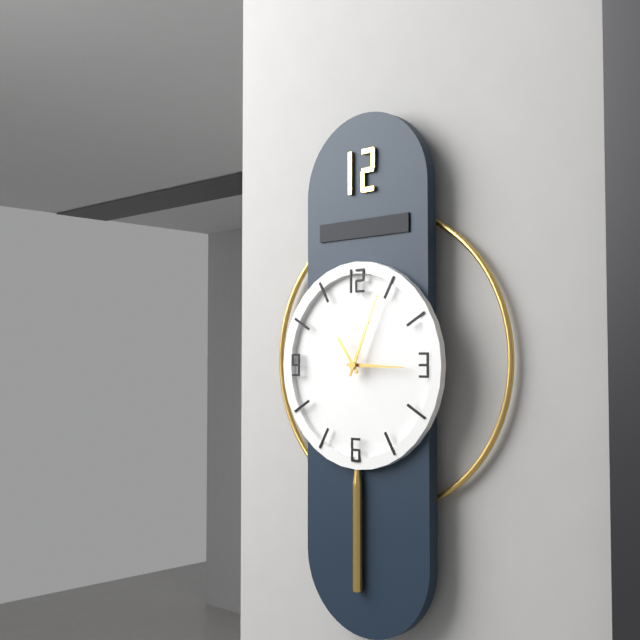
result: 3 h 04 min
